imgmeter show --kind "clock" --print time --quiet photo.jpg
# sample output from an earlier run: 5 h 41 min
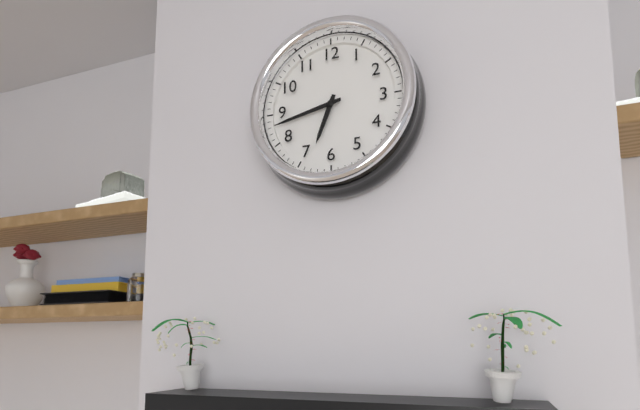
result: 6 h 43 min
